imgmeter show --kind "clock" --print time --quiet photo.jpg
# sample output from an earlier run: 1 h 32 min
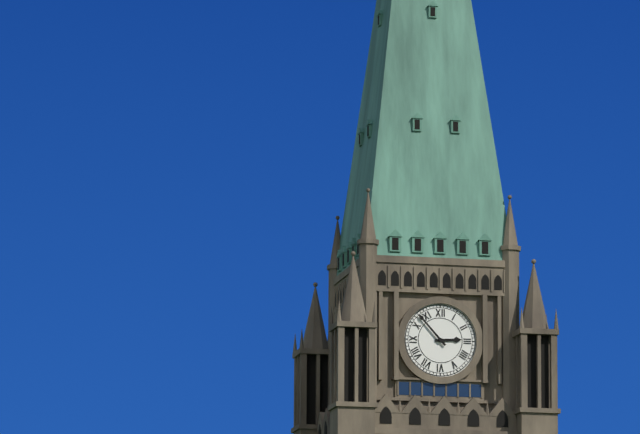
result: 2 h 53 min
